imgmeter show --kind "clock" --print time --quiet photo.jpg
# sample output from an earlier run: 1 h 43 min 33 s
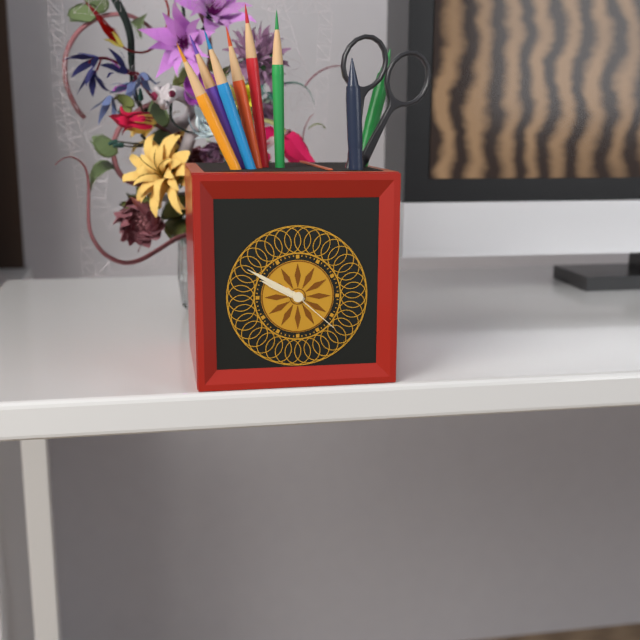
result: 9 h 50 min 22 s
